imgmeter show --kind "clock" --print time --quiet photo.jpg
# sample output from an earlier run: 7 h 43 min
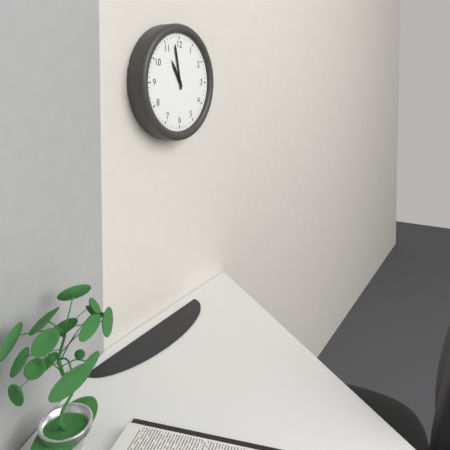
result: 10 h 58 min
